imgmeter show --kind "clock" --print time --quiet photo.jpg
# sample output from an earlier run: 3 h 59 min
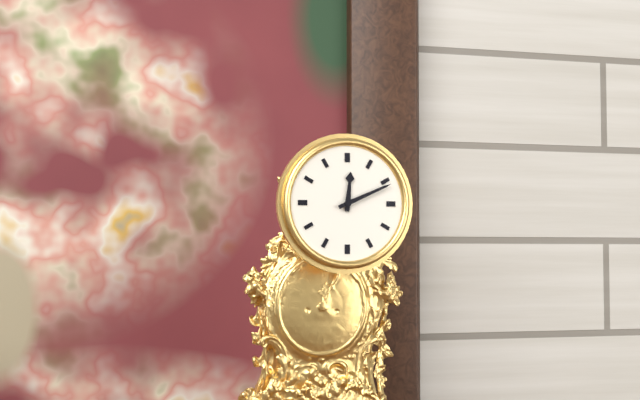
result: 12 h 11 min
